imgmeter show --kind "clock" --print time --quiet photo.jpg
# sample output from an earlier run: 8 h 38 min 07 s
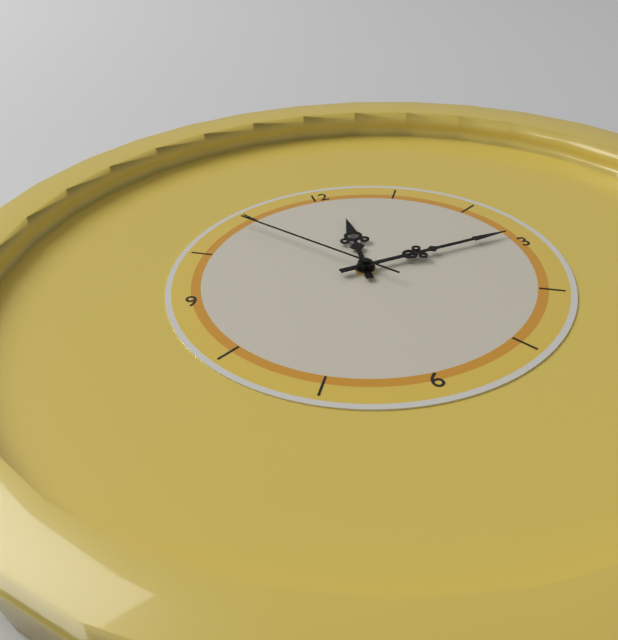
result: 12 h 14 min 54 s
